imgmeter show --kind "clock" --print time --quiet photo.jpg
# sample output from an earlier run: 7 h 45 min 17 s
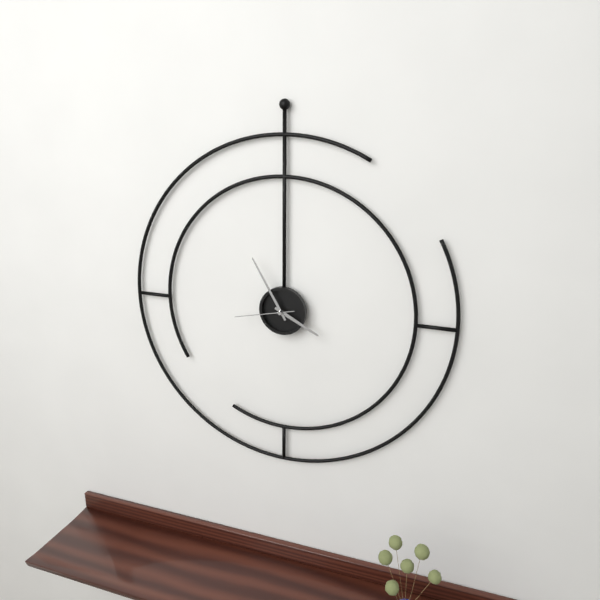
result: 3 h 55 min 43 s
